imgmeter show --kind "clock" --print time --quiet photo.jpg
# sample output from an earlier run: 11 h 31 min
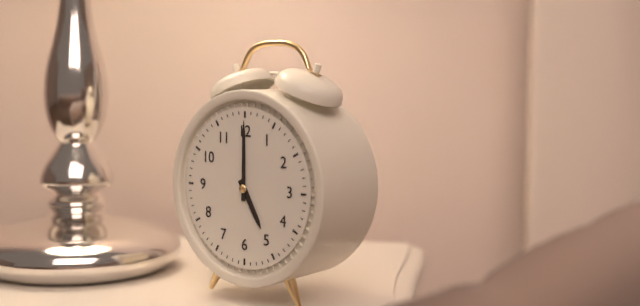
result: 5 h 00 min
